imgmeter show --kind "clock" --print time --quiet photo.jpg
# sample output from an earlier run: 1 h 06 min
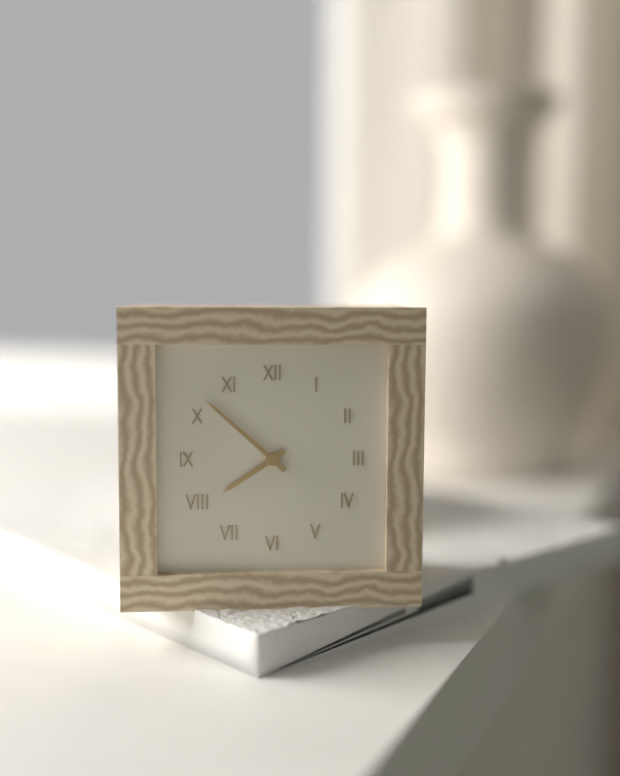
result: 7 h 52 min
